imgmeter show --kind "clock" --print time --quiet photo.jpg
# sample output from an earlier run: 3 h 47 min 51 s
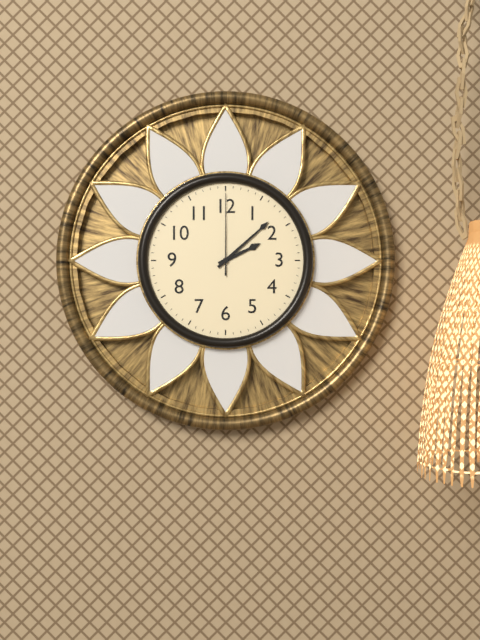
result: 2 h 08 min 00 s
